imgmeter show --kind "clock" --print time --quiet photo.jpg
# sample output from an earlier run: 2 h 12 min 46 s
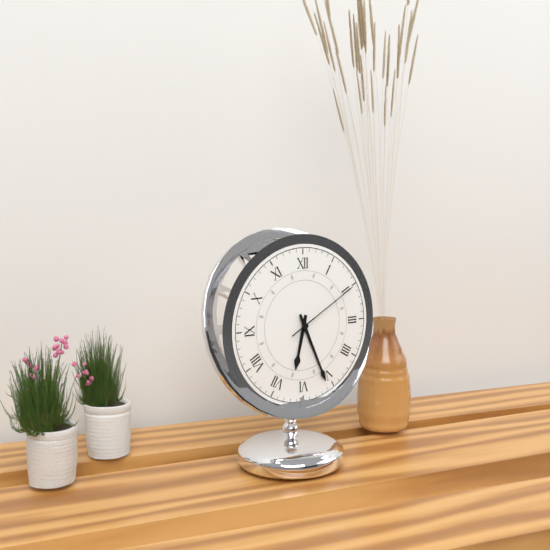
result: 6 h 26 min 10 s
